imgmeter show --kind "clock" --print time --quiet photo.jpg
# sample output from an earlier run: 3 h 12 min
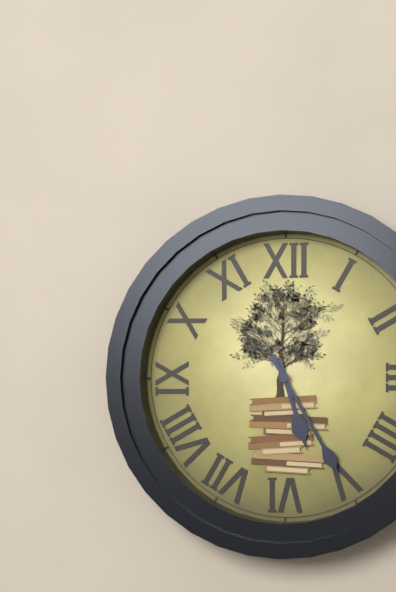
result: 5 h 25 min
